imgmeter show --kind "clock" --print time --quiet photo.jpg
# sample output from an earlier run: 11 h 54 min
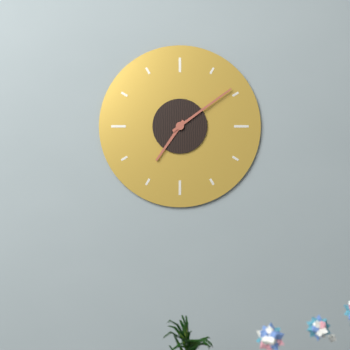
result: 7 h 09 min
